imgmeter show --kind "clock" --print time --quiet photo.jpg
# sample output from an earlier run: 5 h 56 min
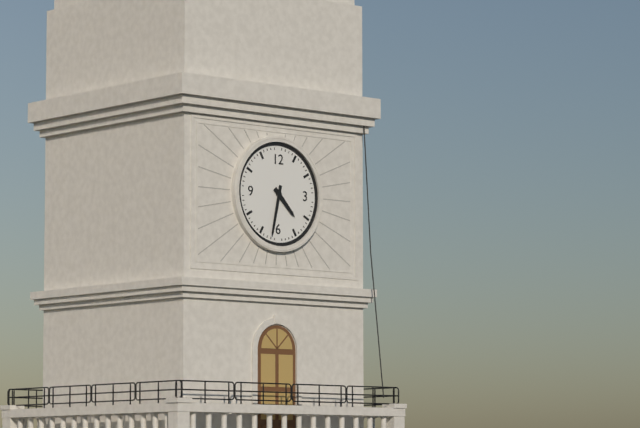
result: 4 h 32 min
